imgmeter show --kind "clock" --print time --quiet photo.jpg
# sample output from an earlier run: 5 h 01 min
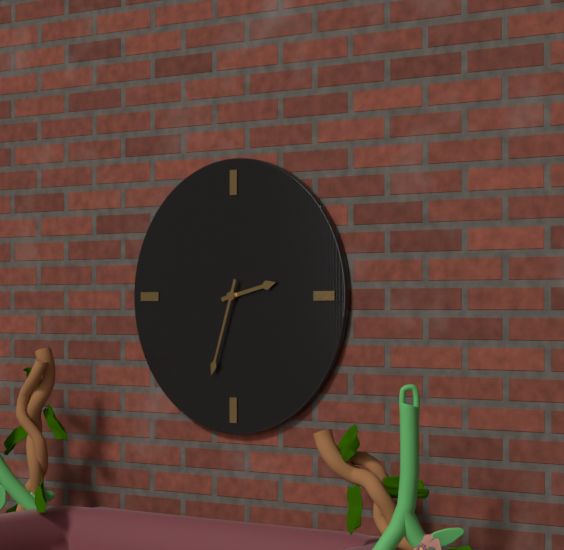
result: 2 h 33 min
